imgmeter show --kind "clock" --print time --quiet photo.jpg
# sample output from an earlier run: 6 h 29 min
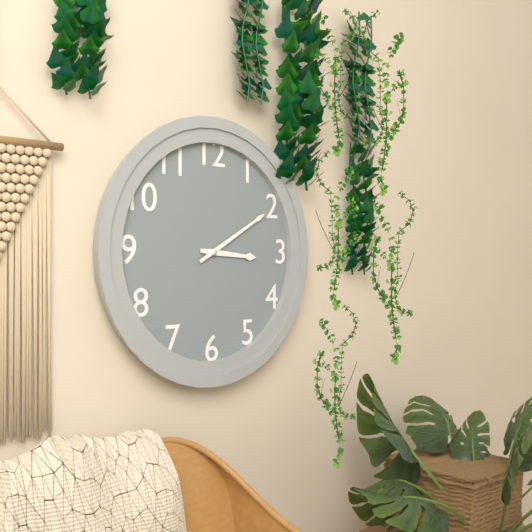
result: 3 h 10 min
